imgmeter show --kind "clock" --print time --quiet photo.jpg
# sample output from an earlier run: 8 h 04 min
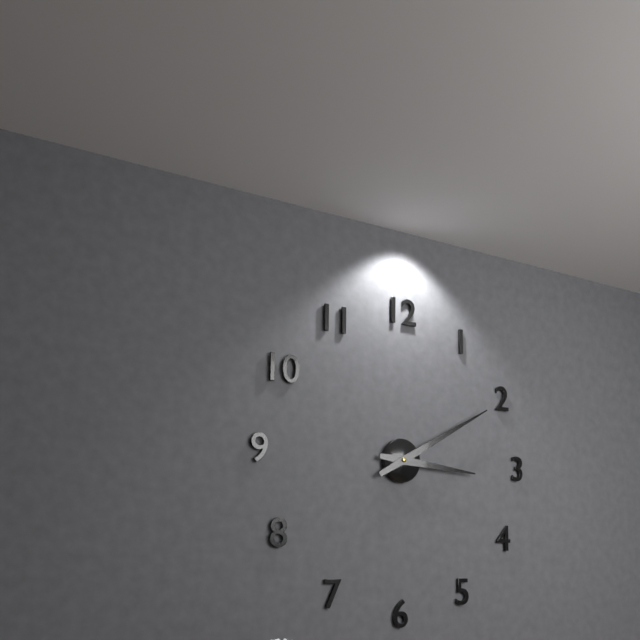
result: 3 h 10 min
